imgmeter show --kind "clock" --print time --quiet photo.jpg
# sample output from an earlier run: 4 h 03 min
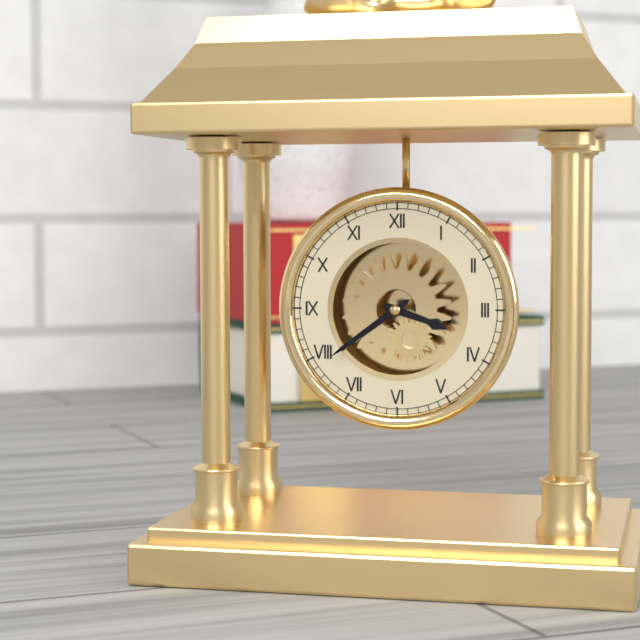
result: 3 h 39 min
